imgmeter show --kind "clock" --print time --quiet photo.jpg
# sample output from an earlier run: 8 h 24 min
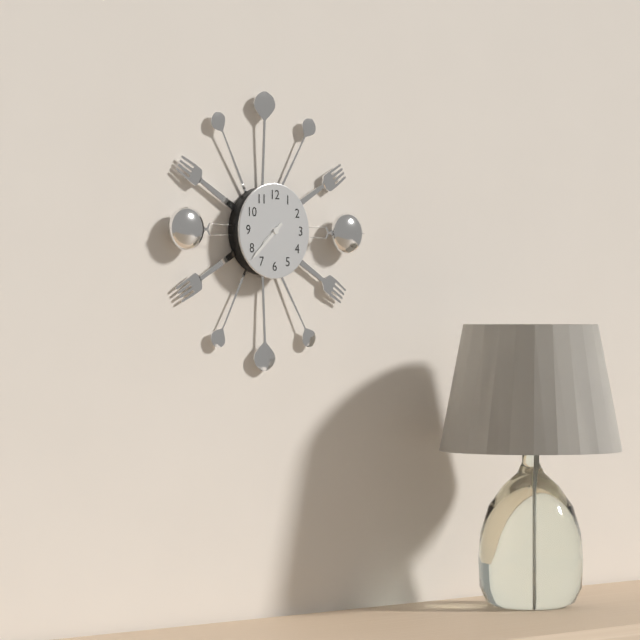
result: 7 h 38 min
